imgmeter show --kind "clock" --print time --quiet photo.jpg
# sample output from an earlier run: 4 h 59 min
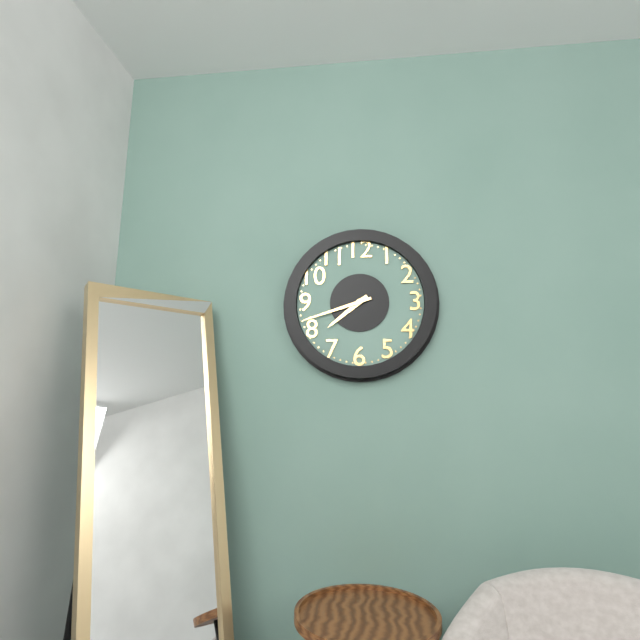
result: 7 h 42 min
